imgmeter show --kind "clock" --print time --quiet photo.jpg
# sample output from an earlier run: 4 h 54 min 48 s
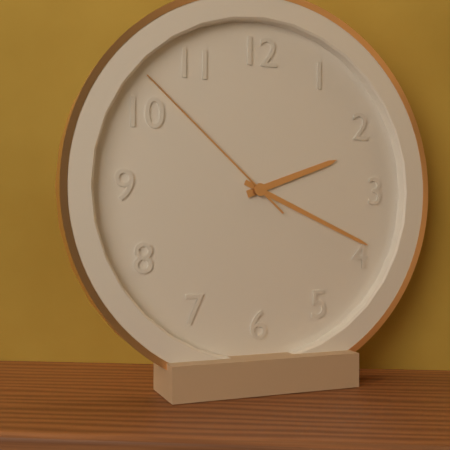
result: 2 h 19 min 52 s
